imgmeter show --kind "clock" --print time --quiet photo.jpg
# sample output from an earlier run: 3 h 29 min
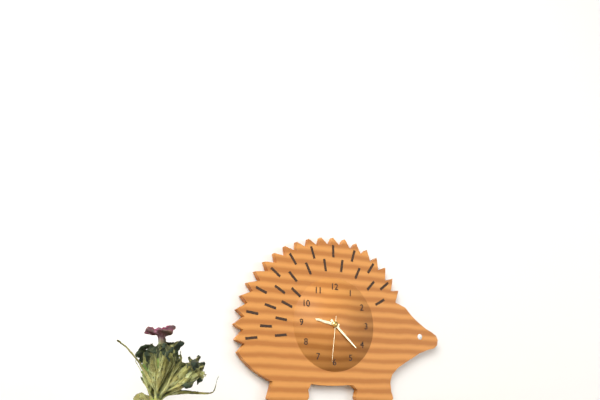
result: 9 h 22 min
